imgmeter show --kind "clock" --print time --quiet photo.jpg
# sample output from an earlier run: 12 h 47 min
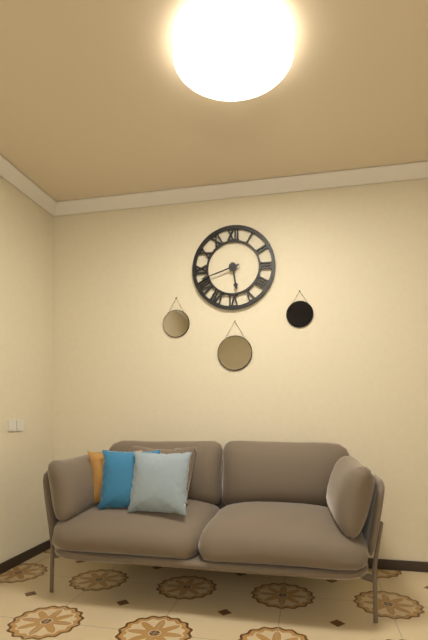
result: 5 h 42 min
